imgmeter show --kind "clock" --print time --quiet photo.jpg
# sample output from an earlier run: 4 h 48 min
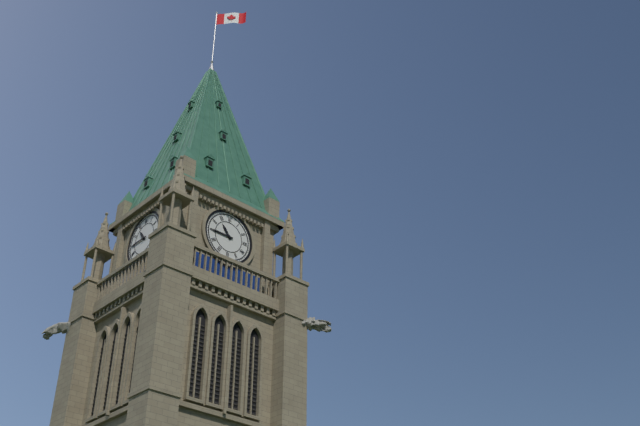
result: 10 h 45 min
